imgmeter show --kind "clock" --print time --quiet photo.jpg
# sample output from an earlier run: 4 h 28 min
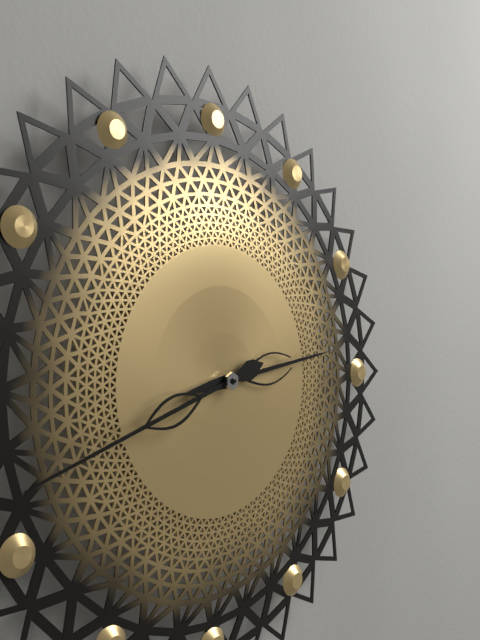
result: 2 h 42 min
